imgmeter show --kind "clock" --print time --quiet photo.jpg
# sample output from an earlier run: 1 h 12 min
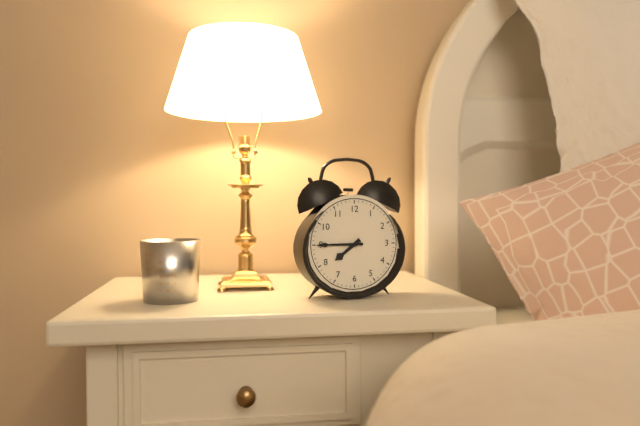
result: 7 h 45 min
